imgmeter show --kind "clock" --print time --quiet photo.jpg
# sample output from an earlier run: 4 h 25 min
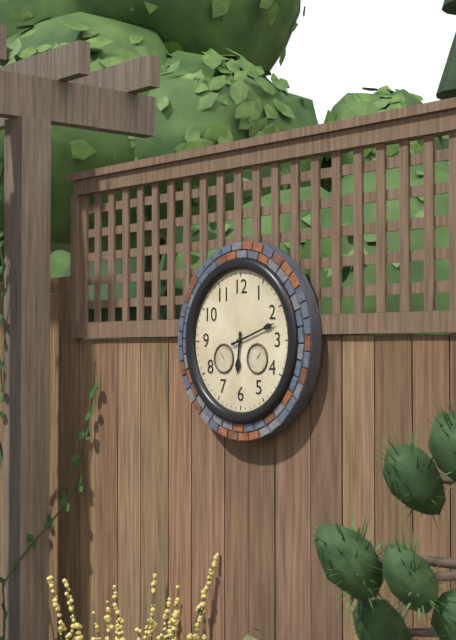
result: 6 h 12 min
